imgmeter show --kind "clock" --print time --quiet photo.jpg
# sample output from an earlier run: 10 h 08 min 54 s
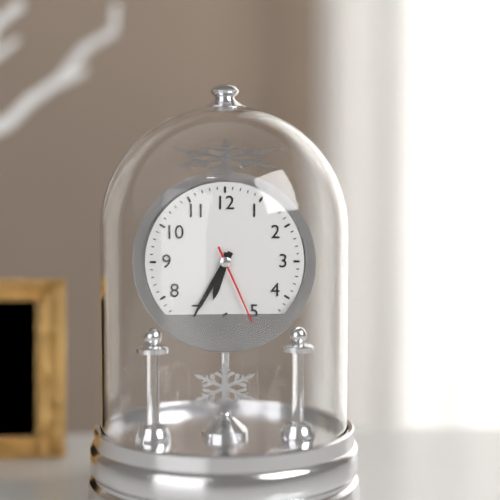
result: 6 h 35 min 26 s
